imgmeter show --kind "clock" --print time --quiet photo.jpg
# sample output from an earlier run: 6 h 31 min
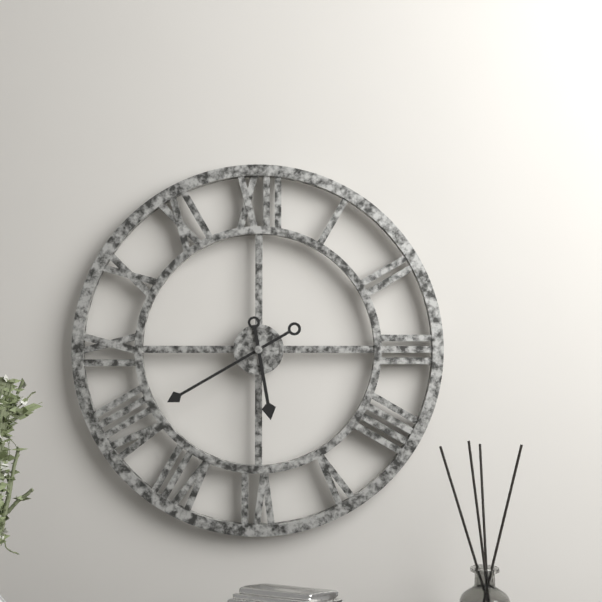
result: 5 h 40 min
